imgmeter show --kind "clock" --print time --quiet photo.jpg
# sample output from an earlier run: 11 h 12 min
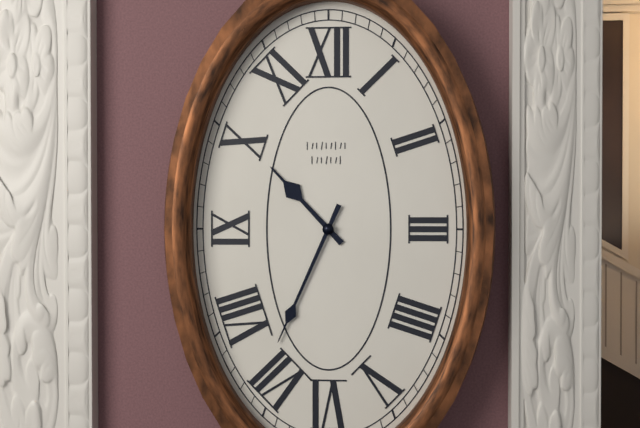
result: 10 h 34 min
